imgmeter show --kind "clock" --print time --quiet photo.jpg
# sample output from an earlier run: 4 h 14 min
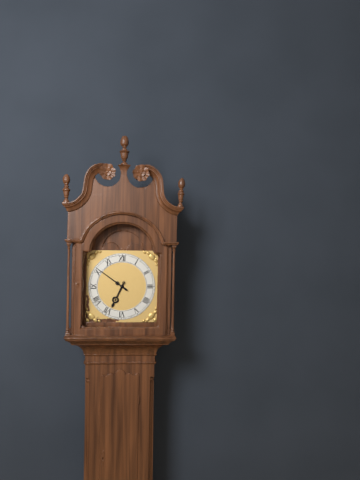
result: 6 h 51 min
